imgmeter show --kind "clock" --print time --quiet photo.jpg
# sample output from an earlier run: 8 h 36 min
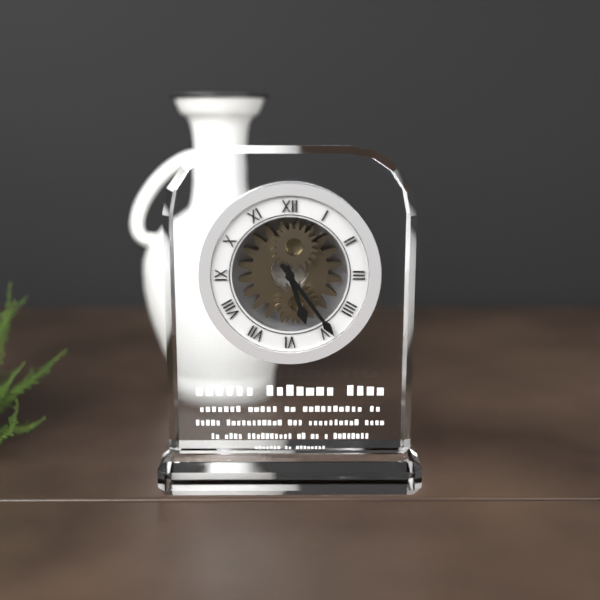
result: 5 h 24 min
